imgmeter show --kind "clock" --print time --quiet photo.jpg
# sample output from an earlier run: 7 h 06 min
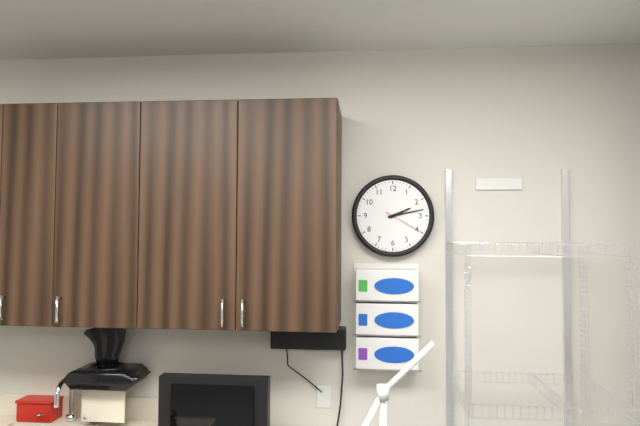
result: 2 h 13 min
